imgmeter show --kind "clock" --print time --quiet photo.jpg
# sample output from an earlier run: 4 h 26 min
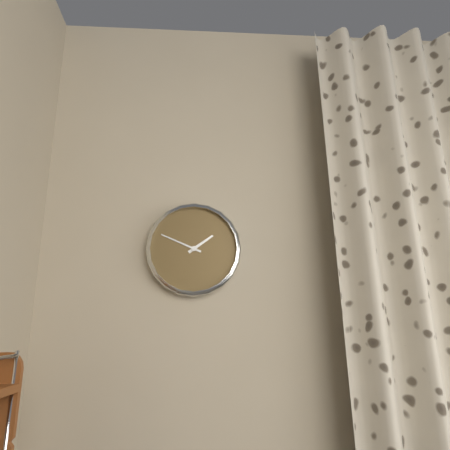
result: 1 h 49 min
